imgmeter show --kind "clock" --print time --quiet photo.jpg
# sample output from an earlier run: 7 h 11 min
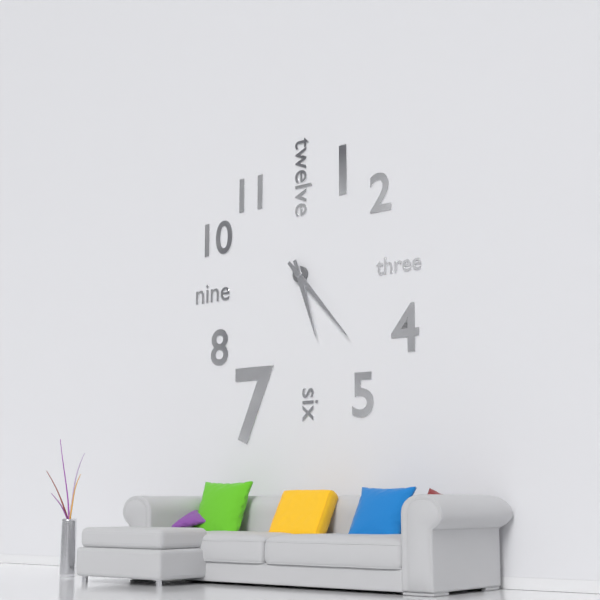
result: 5 h 23 min
